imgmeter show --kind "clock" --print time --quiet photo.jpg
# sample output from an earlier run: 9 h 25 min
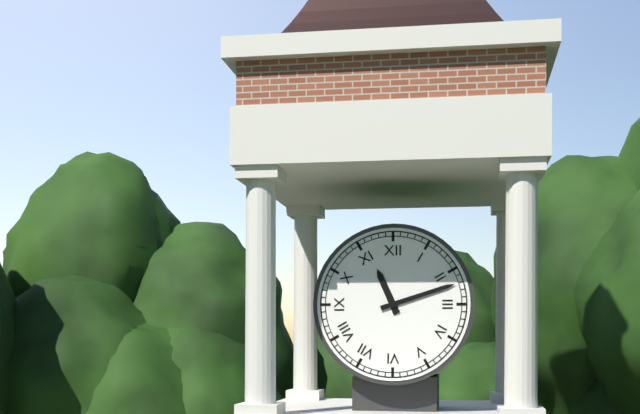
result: 11 h 12 min
